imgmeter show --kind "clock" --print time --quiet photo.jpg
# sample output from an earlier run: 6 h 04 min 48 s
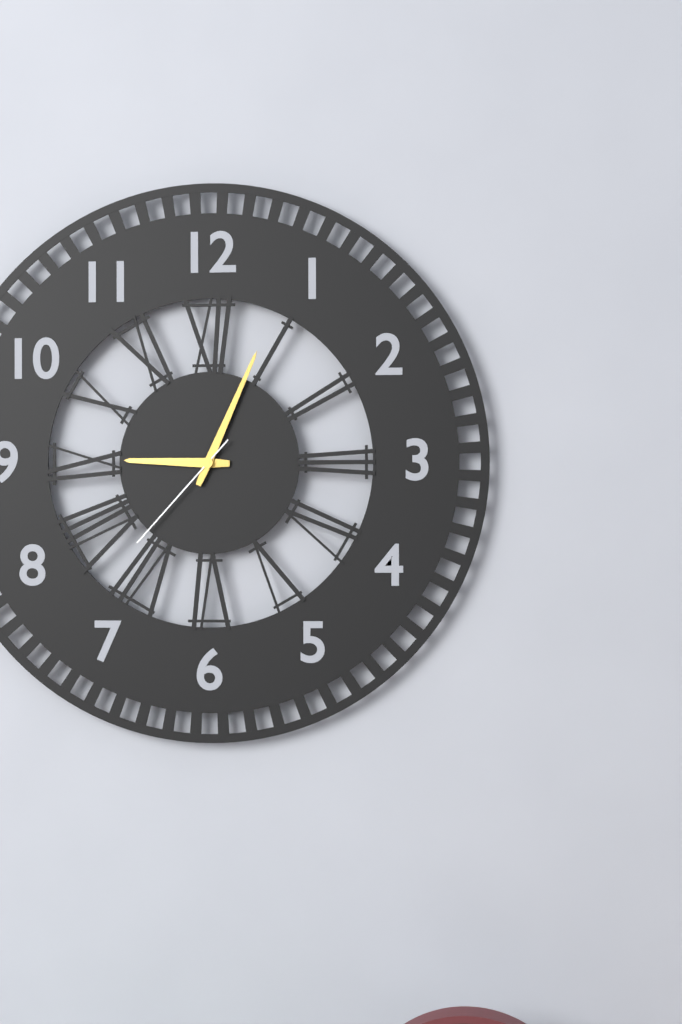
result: 9 h 04 min 37 s
